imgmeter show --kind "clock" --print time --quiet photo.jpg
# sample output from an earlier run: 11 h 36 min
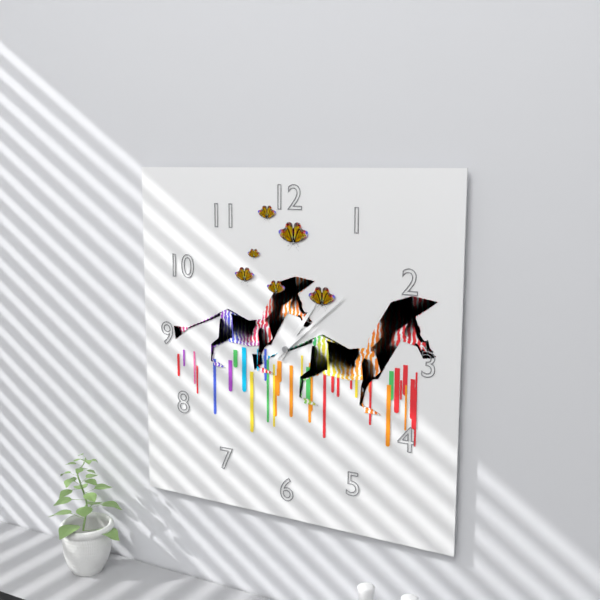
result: 1 h 08 min
